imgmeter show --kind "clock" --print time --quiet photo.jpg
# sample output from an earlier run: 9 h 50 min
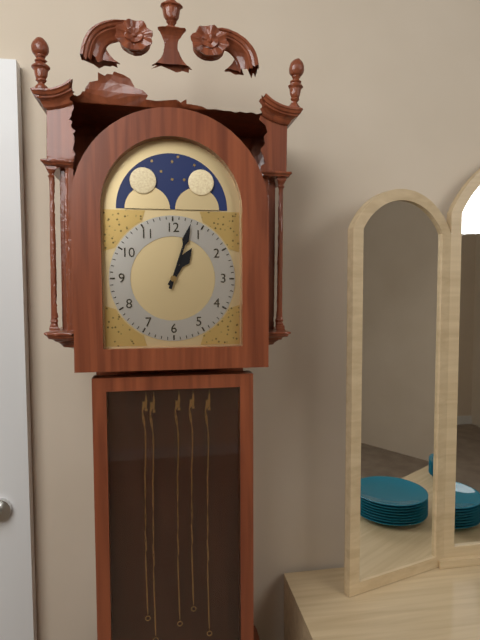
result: 1 h 03 min
